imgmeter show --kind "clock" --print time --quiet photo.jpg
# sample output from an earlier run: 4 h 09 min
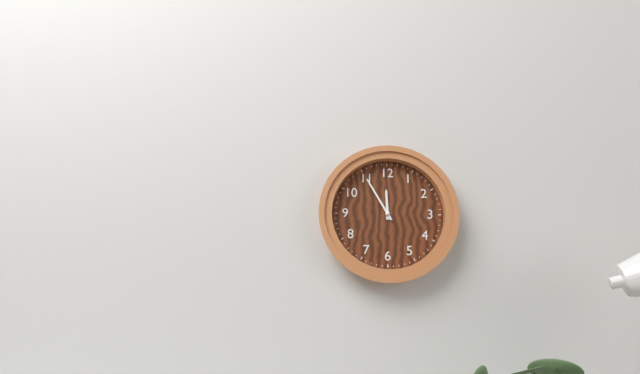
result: 11 h 55 min
